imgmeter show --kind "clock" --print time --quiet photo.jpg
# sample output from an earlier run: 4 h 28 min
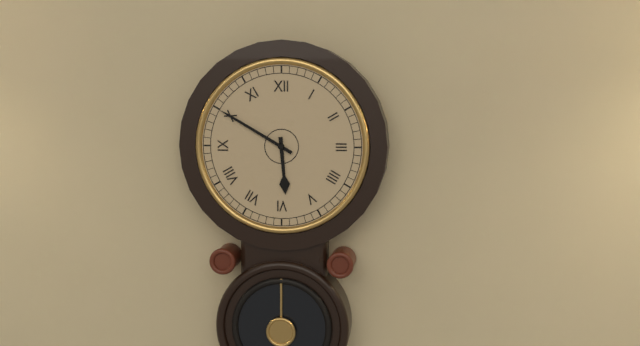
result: 5 h 50 min
